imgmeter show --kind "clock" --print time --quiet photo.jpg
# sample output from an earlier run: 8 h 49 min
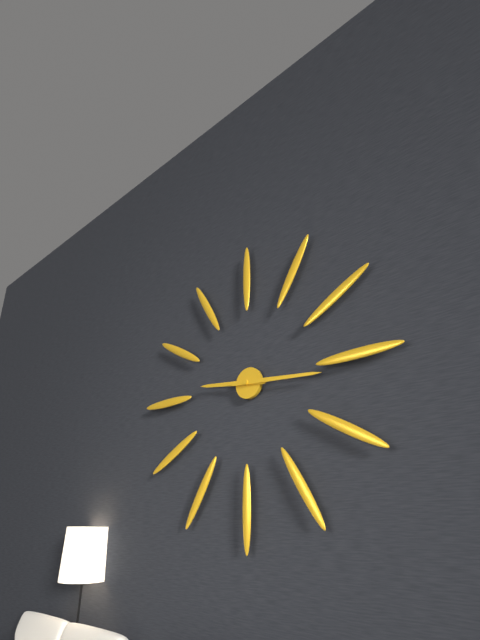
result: 9 h 16 min
